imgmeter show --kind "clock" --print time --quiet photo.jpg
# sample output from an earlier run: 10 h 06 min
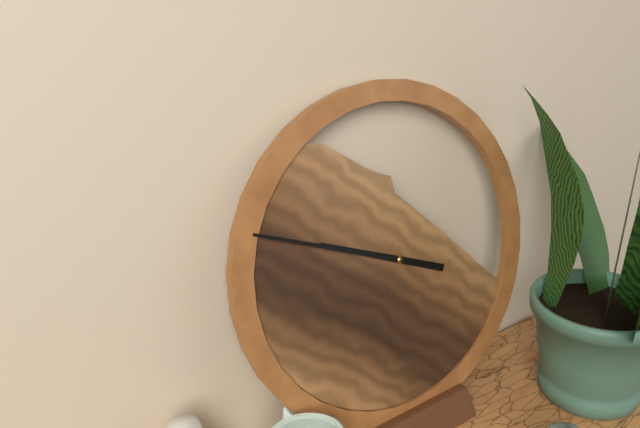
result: 9 h 49 min
